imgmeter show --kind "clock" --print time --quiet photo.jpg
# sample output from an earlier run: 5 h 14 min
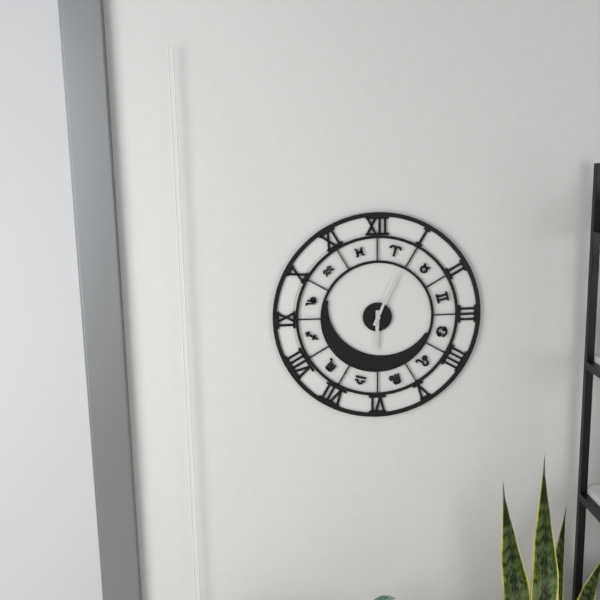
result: 6 h 04 min
